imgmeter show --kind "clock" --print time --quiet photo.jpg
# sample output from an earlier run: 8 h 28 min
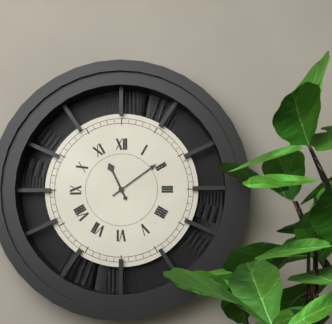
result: 11 h 09 min
